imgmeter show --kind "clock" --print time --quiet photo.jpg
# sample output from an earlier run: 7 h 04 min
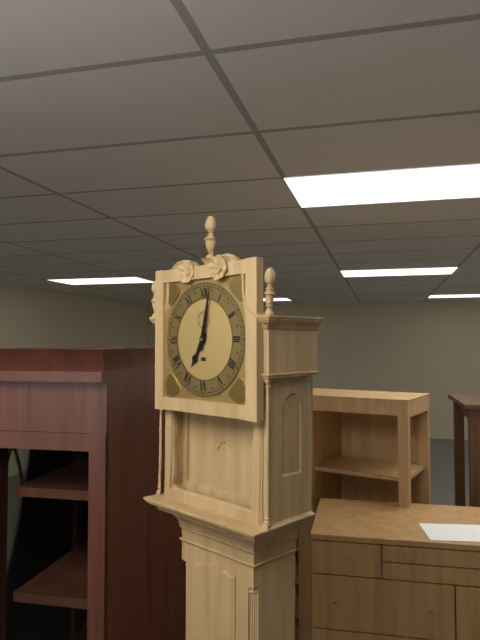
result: 7 h 02 min
